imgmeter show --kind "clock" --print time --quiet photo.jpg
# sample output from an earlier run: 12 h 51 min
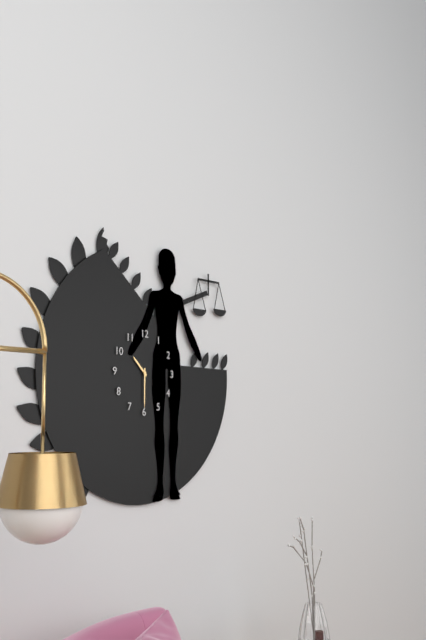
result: 10 h 30 min
